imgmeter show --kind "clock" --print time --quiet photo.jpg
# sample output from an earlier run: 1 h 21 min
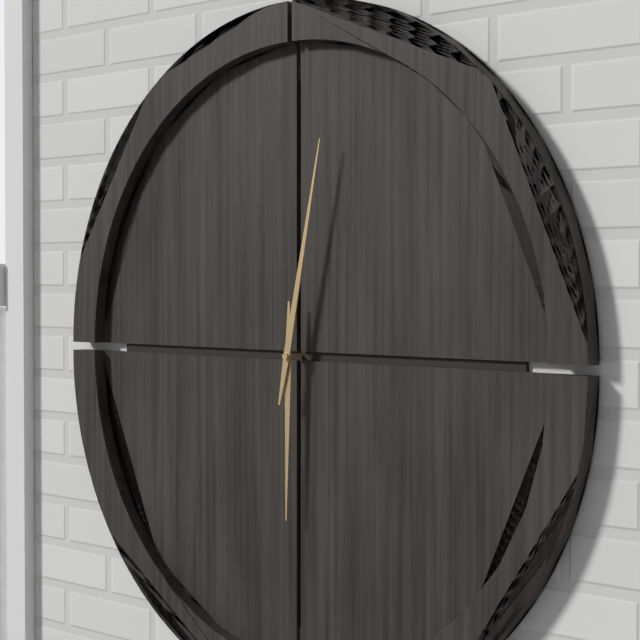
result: 6 h 02 min
